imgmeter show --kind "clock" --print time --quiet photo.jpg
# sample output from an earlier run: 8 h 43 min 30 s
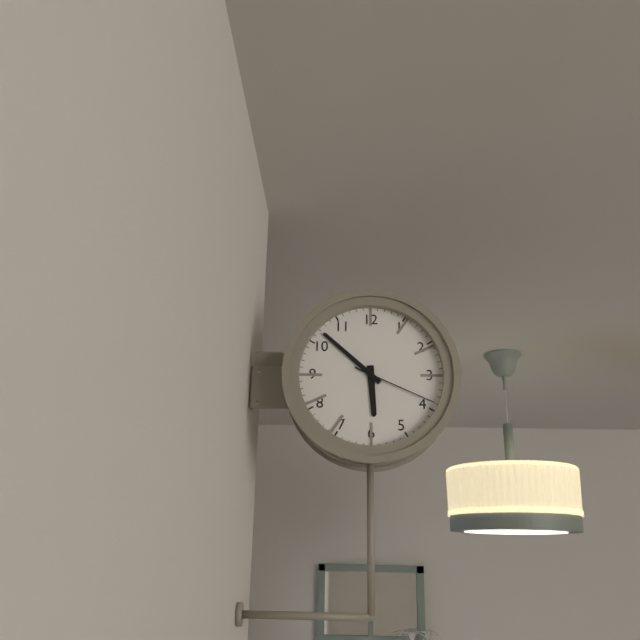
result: 5 h 52 min 19 s
